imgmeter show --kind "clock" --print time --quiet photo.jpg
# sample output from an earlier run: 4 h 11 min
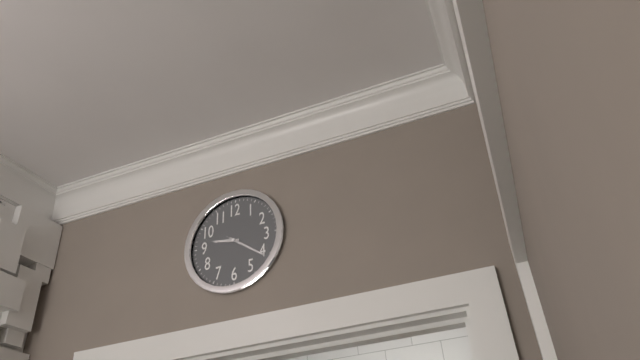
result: 9 h 21 min
